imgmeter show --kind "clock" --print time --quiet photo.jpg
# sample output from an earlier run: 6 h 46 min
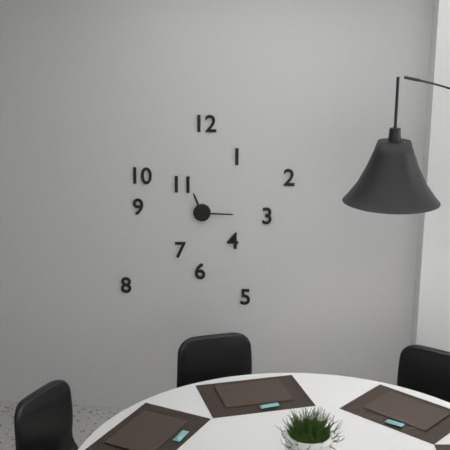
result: 11 h 15 min
